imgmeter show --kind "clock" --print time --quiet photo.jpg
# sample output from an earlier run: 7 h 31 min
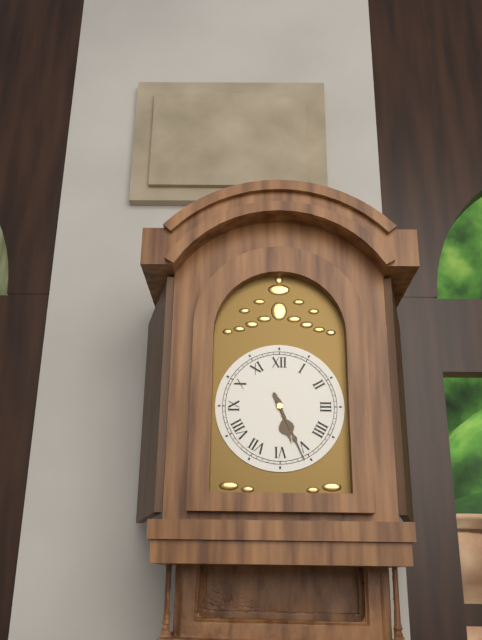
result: 5 h 26 min
